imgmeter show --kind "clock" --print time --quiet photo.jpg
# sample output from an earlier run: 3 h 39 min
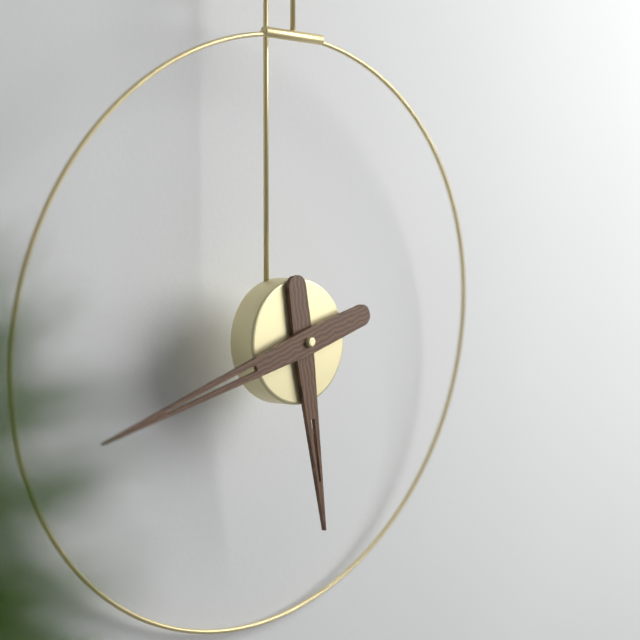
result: 5 h 42 min
